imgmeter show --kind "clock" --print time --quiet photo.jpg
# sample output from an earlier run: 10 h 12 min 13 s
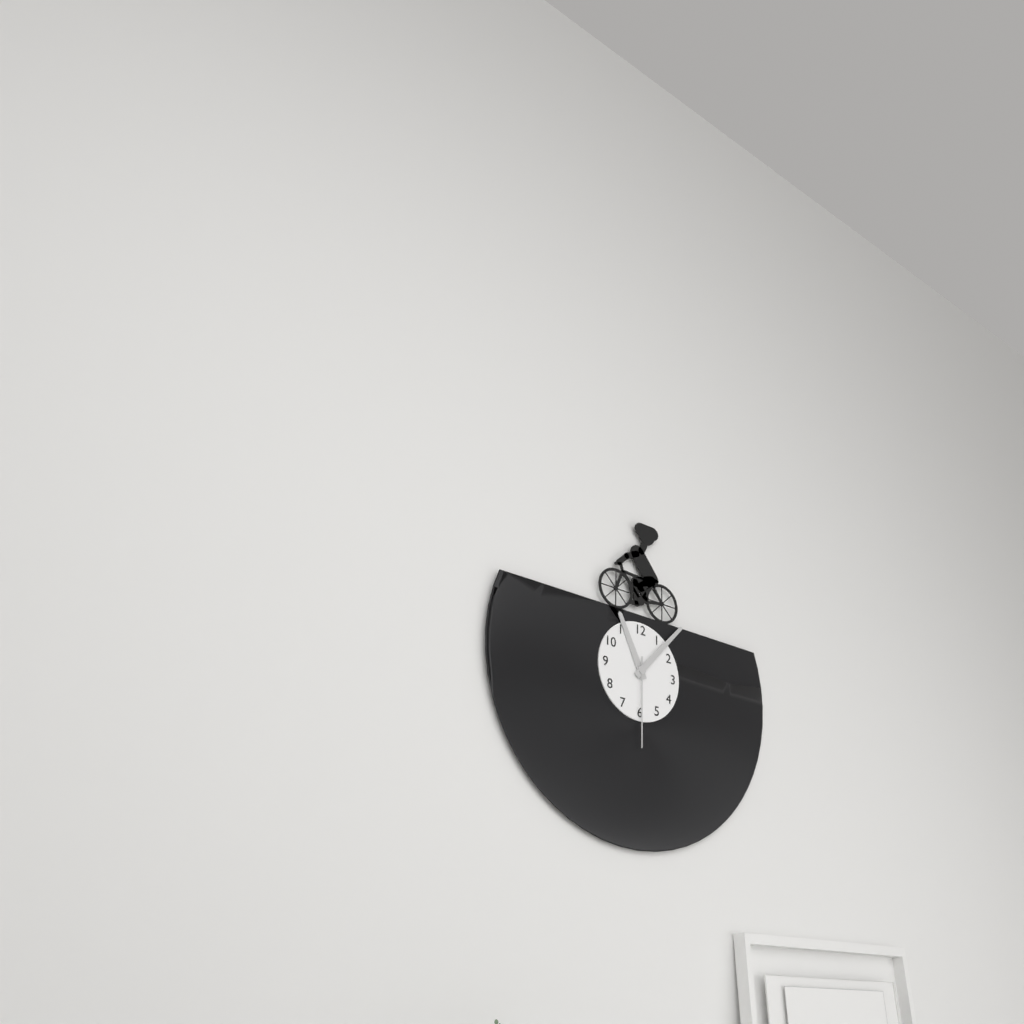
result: 11 h 07 min 30 s
